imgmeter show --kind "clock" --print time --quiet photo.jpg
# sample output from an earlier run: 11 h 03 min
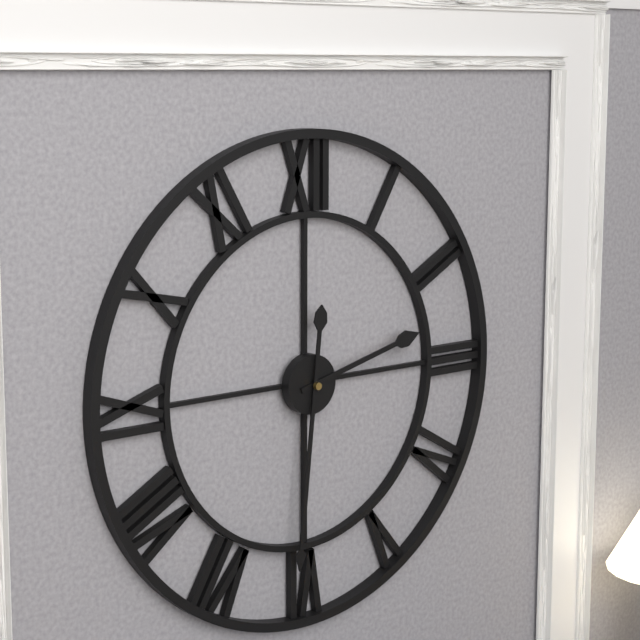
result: 2 h 31 min
